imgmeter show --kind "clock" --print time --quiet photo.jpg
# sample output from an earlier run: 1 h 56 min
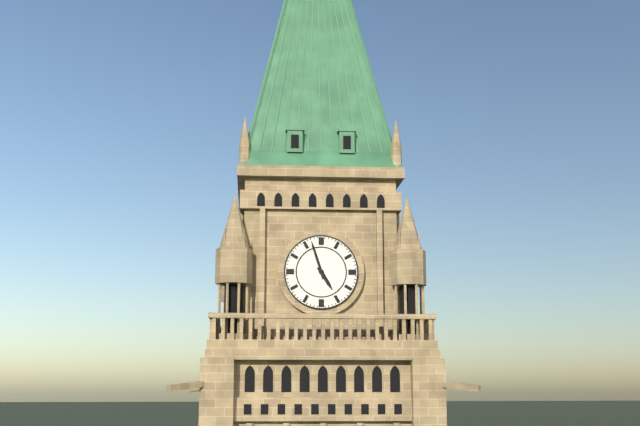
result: 4 h 57 min
